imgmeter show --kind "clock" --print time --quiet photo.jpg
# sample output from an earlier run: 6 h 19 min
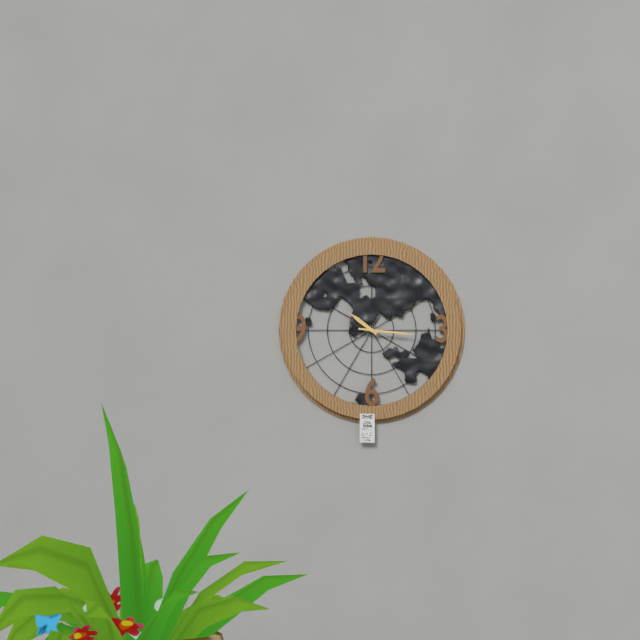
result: 10 h 16 min
